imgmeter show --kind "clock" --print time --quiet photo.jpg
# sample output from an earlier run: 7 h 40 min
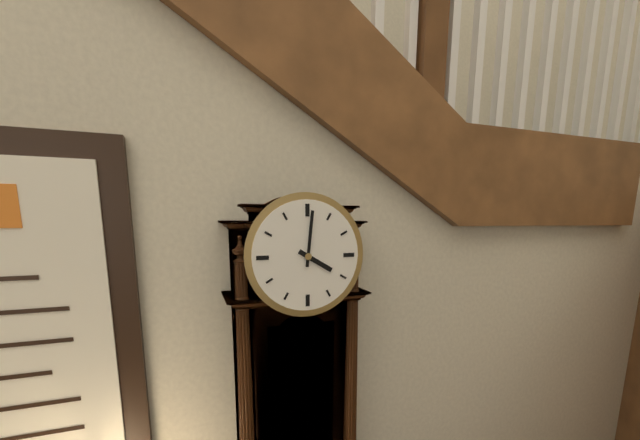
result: 4 h 01 min
